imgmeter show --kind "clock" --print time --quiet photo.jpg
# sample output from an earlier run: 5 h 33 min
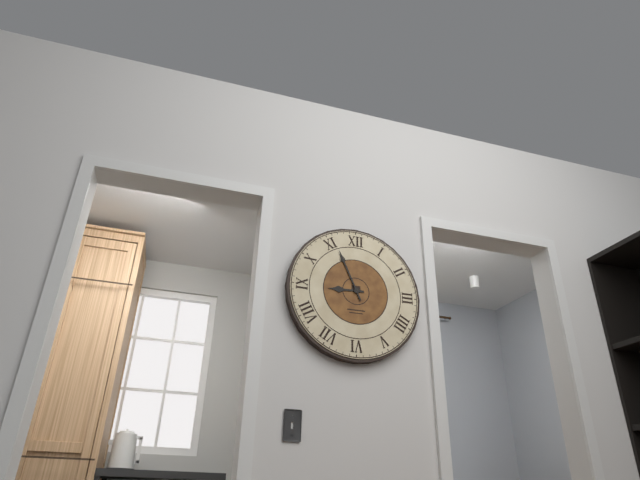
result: 8 h 56 min
